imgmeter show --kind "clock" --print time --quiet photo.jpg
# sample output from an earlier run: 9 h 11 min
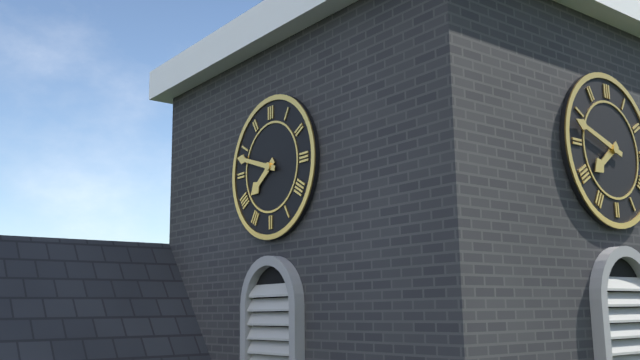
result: 7 h 48 min
